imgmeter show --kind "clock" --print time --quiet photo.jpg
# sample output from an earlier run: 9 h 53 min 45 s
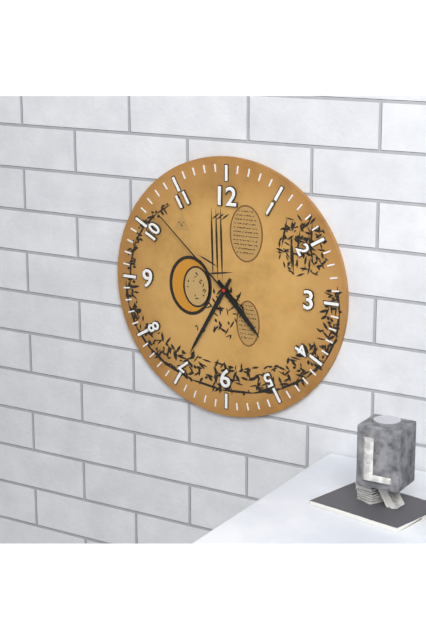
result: 4 h 35 min 52 s
